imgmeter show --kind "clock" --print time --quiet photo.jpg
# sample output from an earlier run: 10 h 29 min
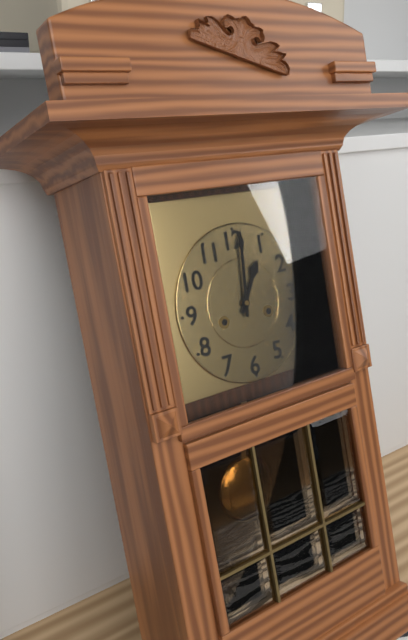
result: 1 h 01 min
